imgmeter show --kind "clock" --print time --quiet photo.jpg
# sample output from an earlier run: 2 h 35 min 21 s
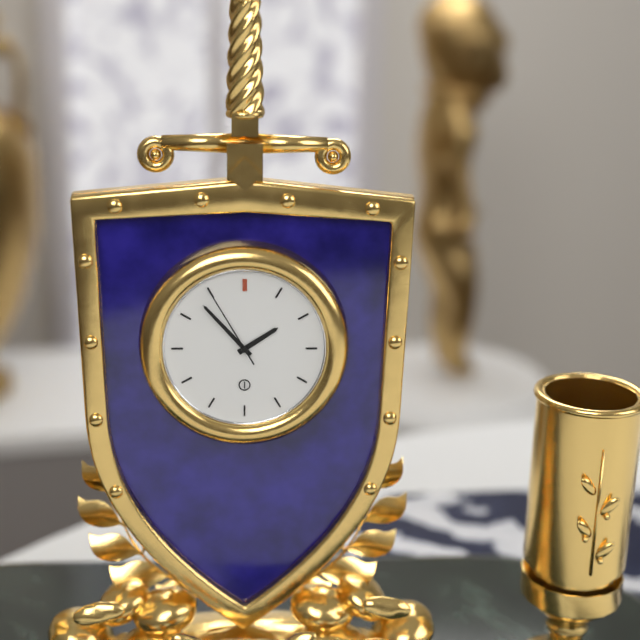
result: 1 h 53 min 55 s
